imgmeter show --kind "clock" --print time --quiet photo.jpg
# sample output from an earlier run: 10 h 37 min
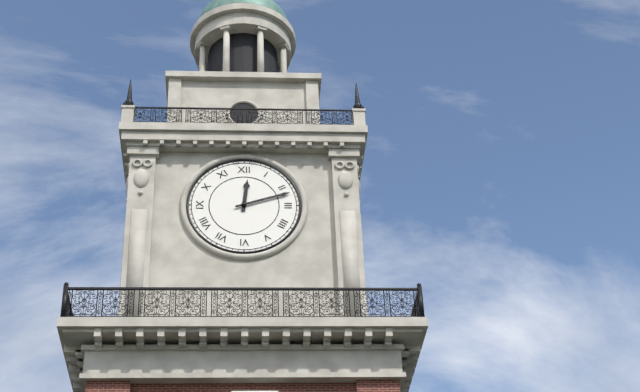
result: 12 h 12 min
